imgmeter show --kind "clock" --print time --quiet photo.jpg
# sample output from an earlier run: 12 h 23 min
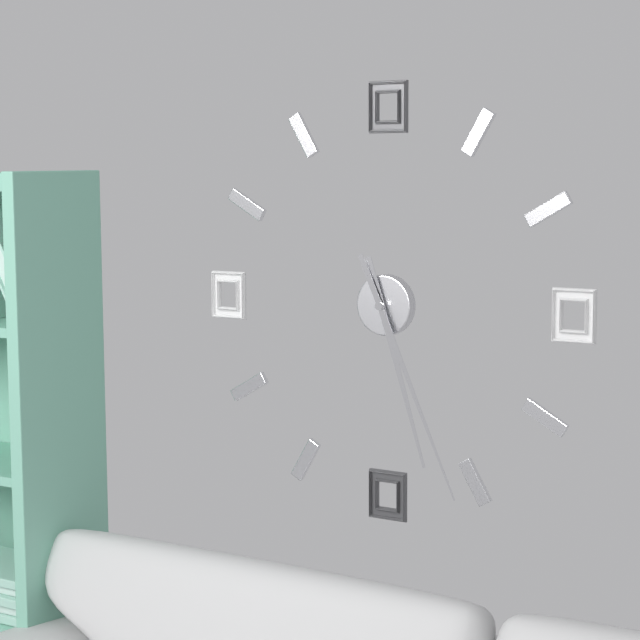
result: 5 h 26 min
